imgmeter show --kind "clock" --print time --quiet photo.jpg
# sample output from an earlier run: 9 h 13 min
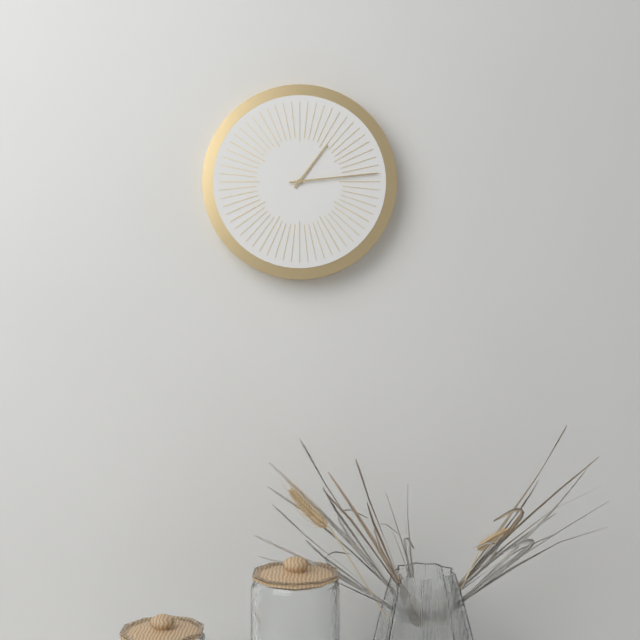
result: 1 h 14 min
